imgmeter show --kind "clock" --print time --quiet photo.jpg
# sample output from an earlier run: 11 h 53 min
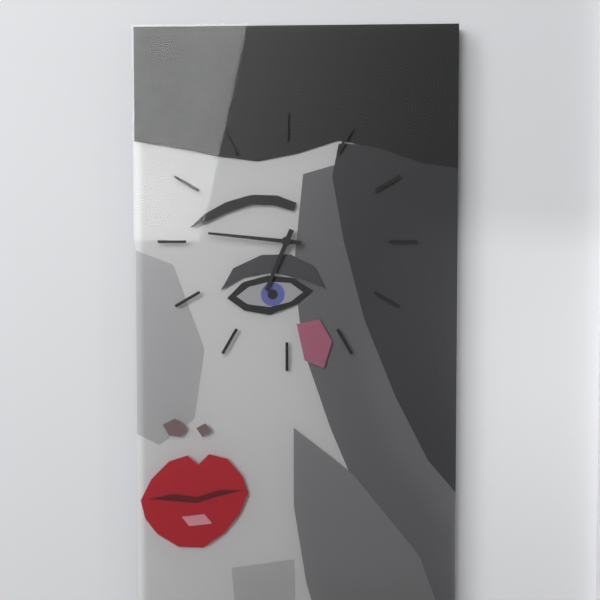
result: 6 h 46 min
